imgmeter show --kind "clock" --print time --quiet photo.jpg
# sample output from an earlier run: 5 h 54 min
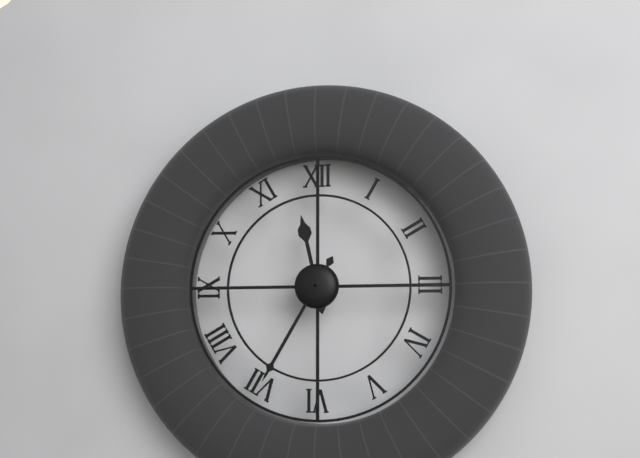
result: 11 h 35 min
